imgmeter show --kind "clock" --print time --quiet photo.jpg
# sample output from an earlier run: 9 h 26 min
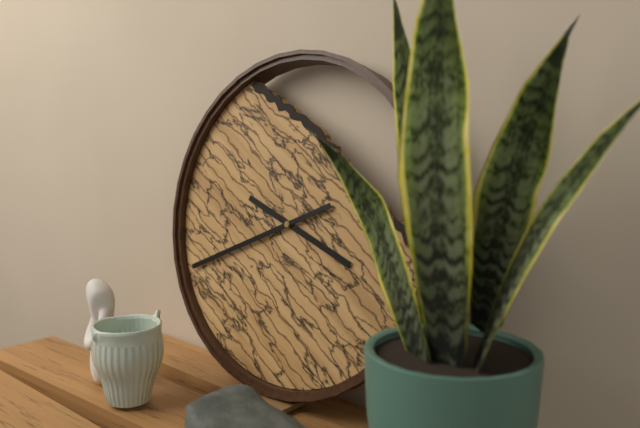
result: 3 h 41 min
